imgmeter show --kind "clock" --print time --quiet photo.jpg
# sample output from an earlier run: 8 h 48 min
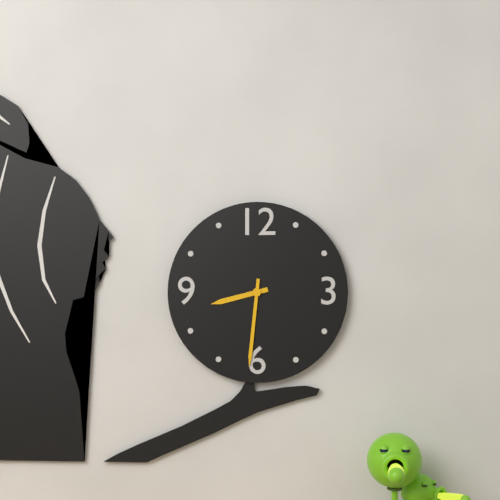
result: 8 h 31 min
